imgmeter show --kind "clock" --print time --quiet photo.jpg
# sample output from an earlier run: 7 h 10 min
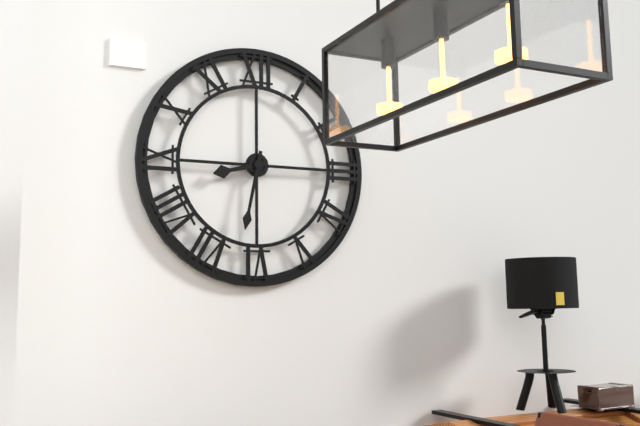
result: 8 h 32 min
